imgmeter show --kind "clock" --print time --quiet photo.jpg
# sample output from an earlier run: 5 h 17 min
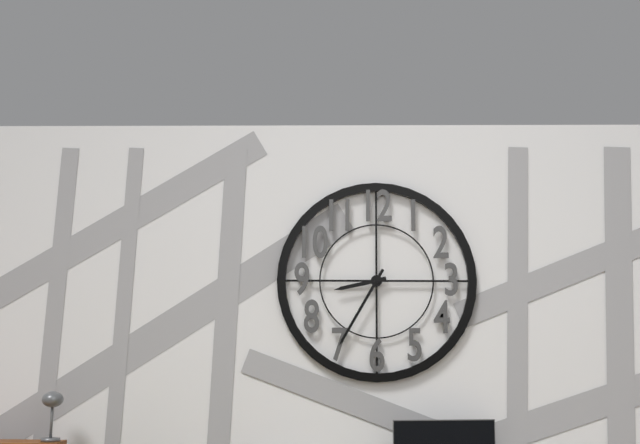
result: 8 h 35 min
